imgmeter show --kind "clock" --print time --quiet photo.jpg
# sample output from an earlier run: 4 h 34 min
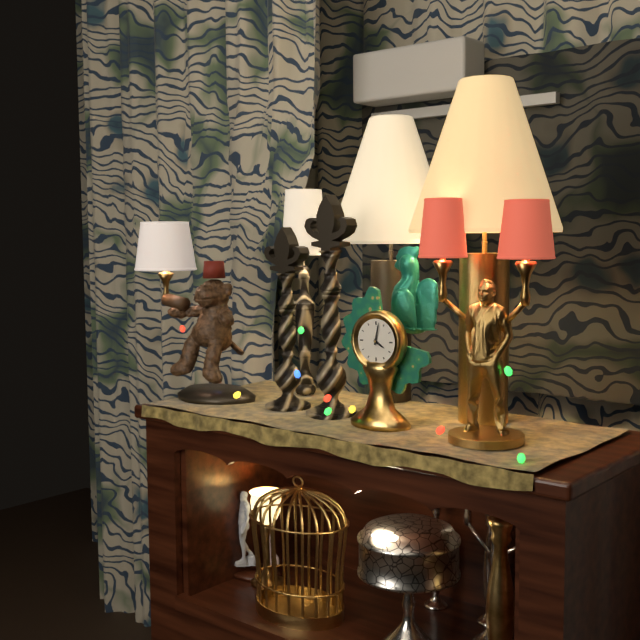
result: 4 h 02 min
